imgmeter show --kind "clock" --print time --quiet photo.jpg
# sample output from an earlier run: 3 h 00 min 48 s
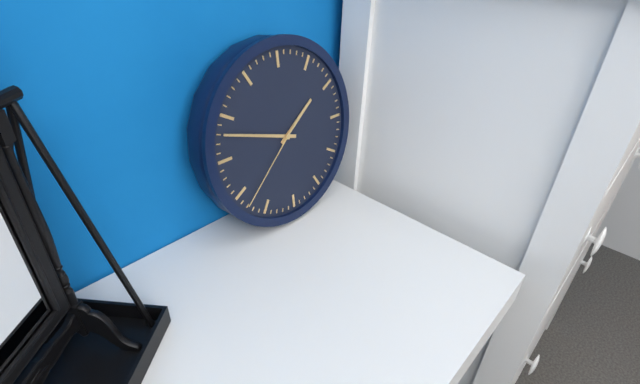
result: 1 h 48 min 38 s
